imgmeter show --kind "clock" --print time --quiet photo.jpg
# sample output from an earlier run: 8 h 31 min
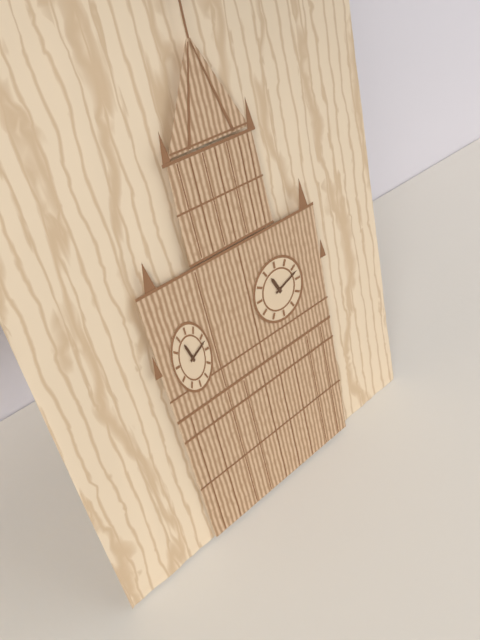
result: 11 h 12 min
